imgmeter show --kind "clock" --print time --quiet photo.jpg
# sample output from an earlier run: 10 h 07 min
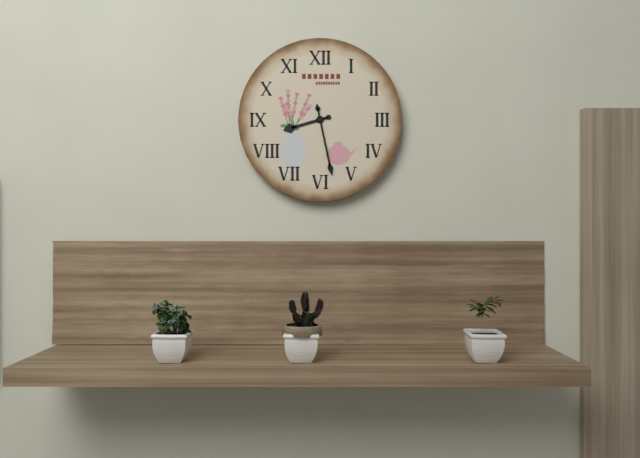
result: 8 h 28 min
